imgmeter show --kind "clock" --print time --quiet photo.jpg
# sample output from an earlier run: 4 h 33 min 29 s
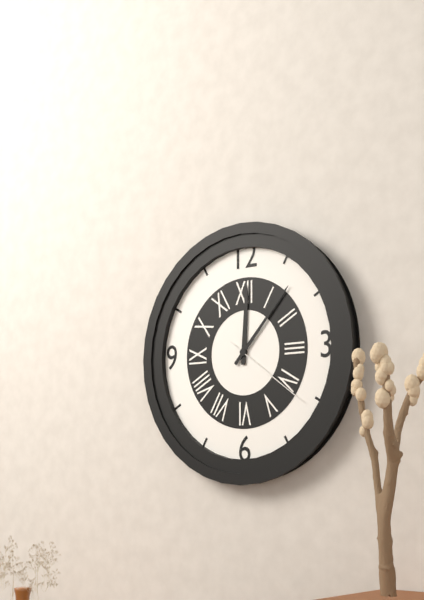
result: 12 h 07 min 21 s
